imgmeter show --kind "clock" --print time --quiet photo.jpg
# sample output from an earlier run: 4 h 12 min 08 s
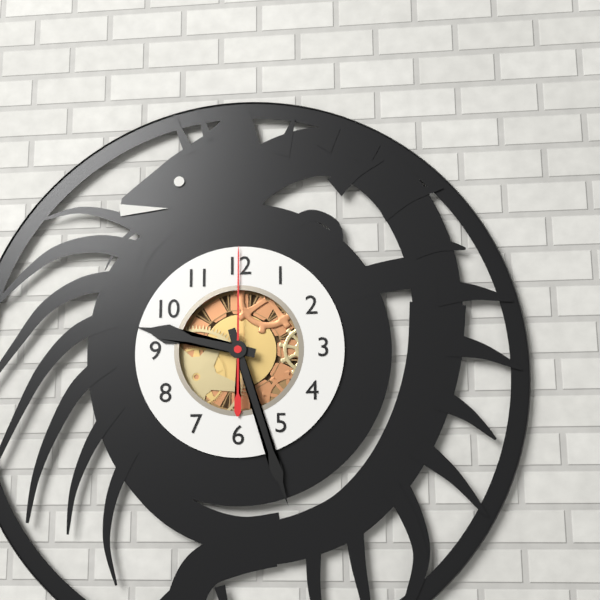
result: 9 h 27 min 00 s
